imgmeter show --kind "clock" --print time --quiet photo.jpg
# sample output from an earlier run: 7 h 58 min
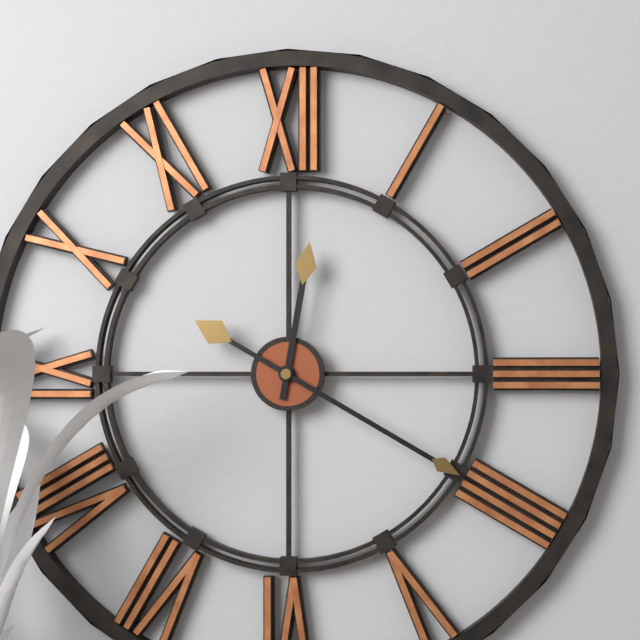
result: 12 h 20 min
